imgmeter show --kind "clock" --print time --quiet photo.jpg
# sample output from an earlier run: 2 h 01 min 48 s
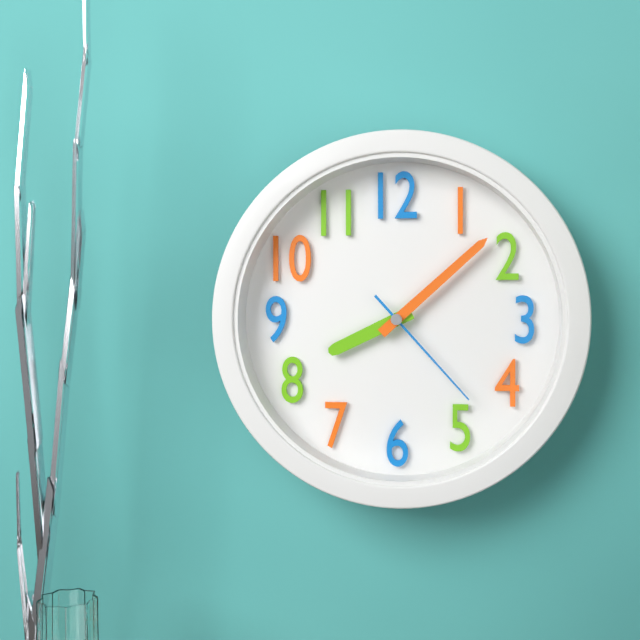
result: 8 h 08 min 23 s
